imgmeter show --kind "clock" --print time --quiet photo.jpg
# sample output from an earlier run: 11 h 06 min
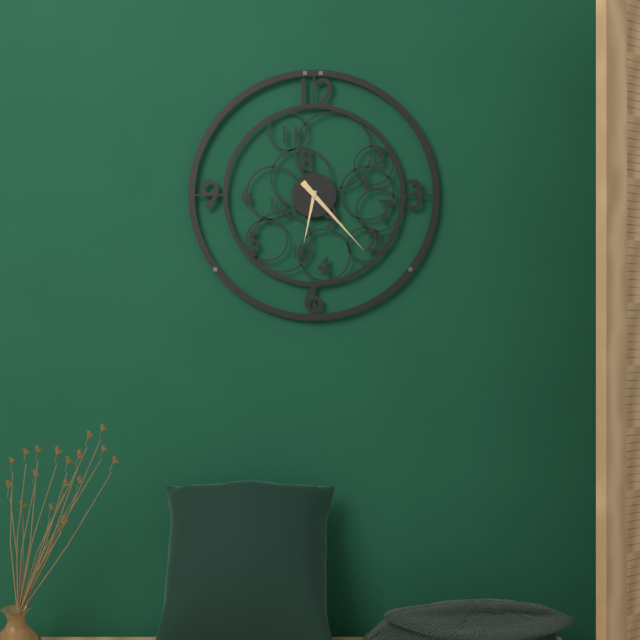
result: 6 h 23 min
